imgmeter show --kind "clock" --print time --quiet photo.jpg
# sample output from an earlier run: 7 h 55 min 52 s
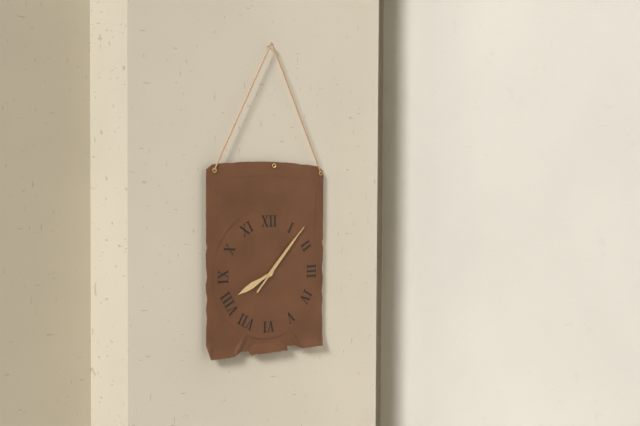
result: 8 h 07 min 07 s
